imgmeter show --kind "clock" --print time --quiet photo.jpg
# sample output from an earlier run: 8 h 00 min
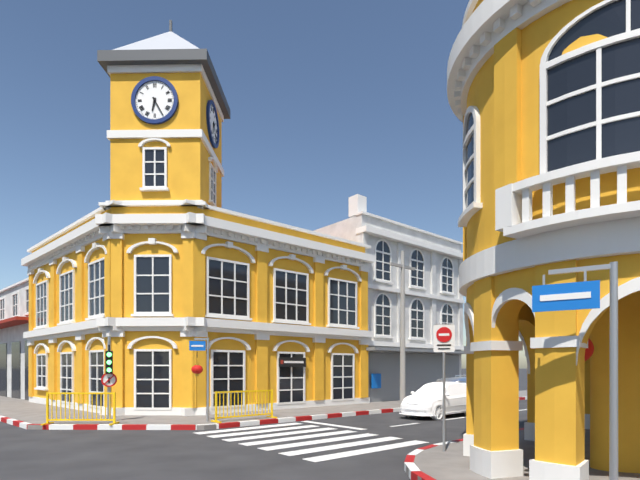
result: 6 h 25 min
